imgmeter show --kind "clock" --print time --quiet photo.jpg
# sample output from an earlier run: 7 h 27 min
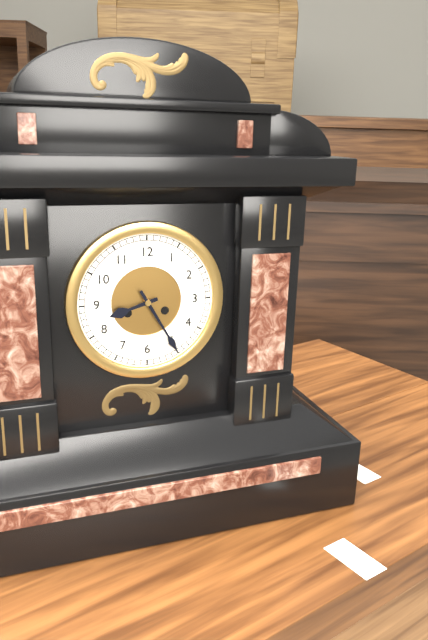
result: 8 h 25 min
